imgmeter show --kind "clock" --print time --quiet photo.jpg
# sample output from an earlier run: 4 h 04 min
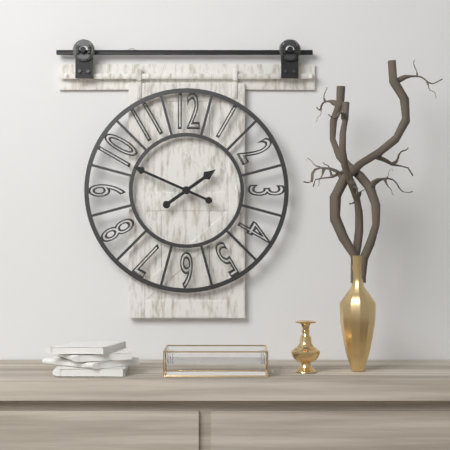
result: 1 h 49 min
